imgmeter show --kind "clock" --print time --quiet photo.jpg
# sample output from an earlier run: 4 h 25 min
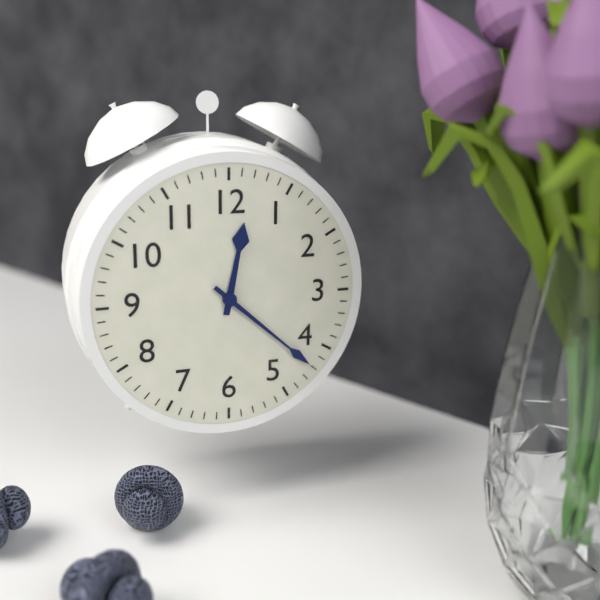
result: 12 h 22 min
